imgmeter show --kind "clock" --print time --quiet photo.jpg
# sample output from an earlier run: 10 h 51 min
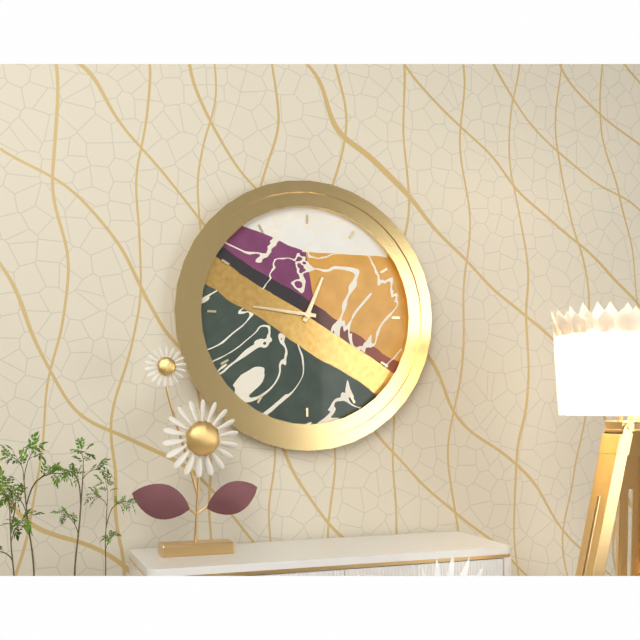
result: 12 h 46 min
